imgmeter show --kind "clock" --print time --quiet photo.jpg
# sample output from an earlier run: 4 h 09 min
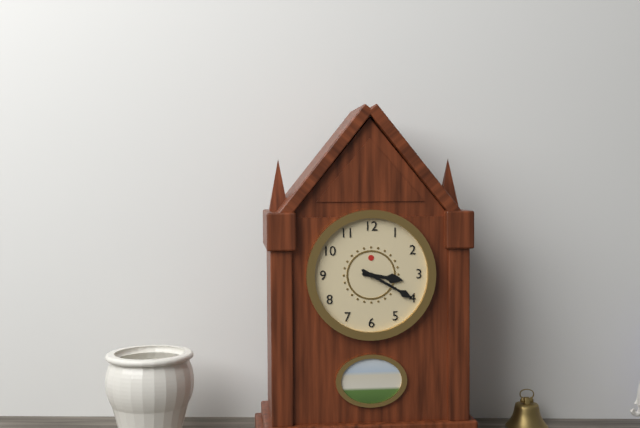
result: 3 h 20 min
